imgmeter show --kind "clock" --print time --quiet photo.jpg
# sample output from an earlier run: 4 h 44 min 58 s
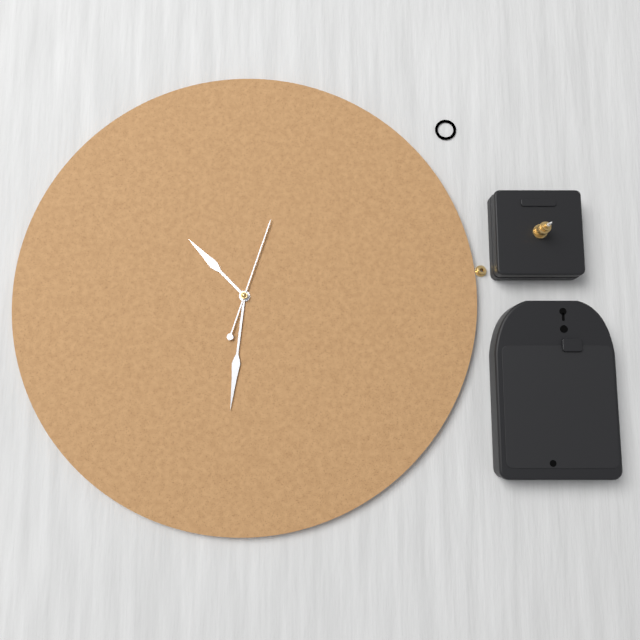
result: 10 h 31 min 03 s
